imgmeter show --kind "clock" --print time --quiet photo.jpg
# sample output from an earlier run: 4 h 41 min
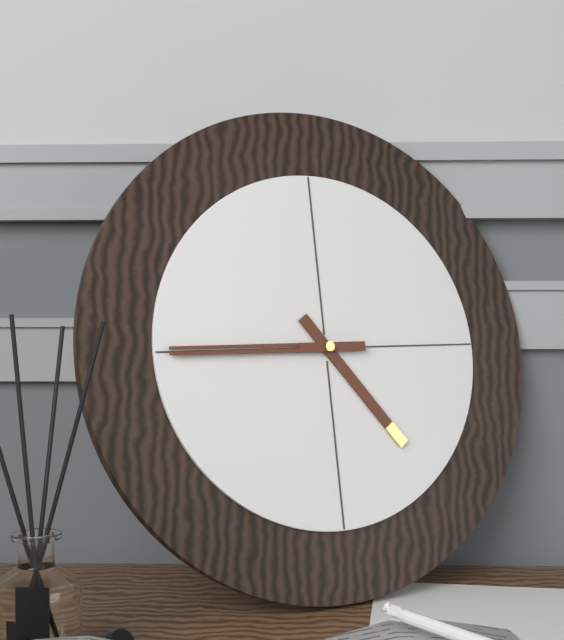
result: 4 h 45 min
